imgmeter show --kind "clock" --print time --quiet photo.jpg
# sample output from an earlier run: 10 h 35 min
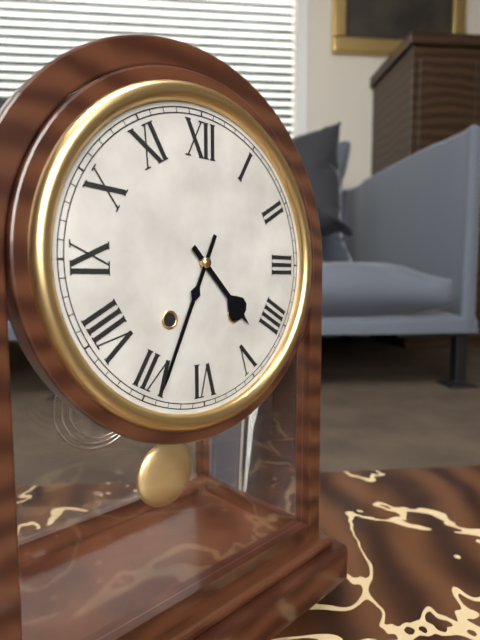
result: 4 h 34 min
